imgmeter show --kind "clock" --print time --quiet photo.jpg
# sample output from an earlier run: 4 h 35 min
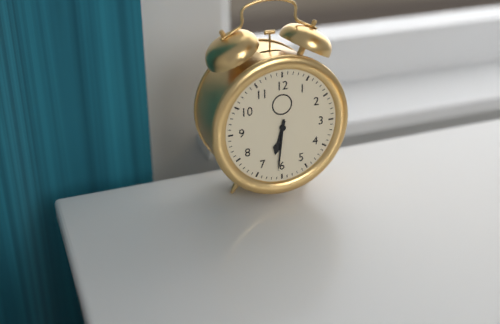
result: 6 h 31 min
